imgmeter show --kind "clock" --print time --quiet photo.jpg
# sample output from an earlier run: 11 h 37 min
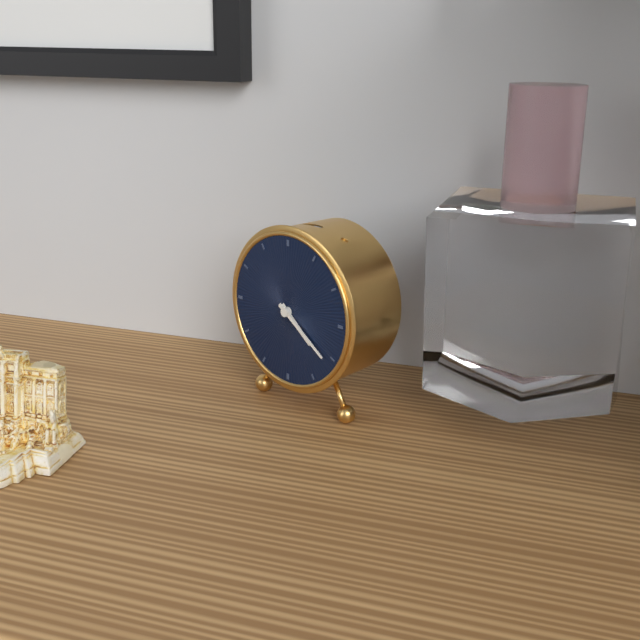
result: 4 h 21 min
